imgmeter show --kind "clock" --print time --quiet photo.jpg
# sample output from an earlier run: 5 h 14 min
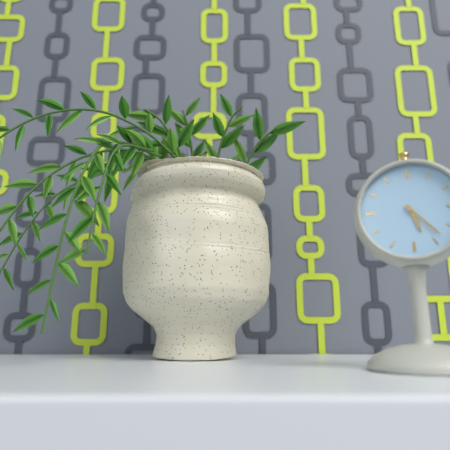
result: 5 h 23 min
